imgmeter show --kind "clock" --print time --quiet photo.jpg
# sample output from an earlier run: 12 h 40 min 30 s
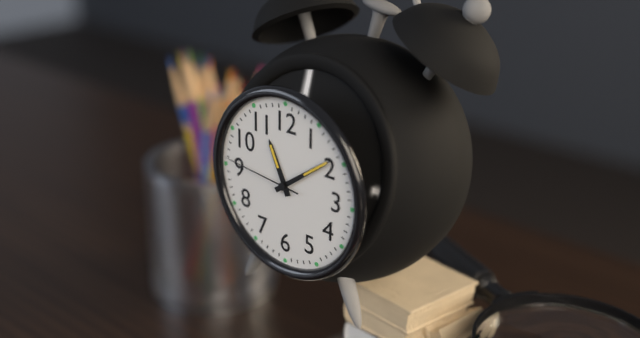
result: 11 h 09 min 46 s
